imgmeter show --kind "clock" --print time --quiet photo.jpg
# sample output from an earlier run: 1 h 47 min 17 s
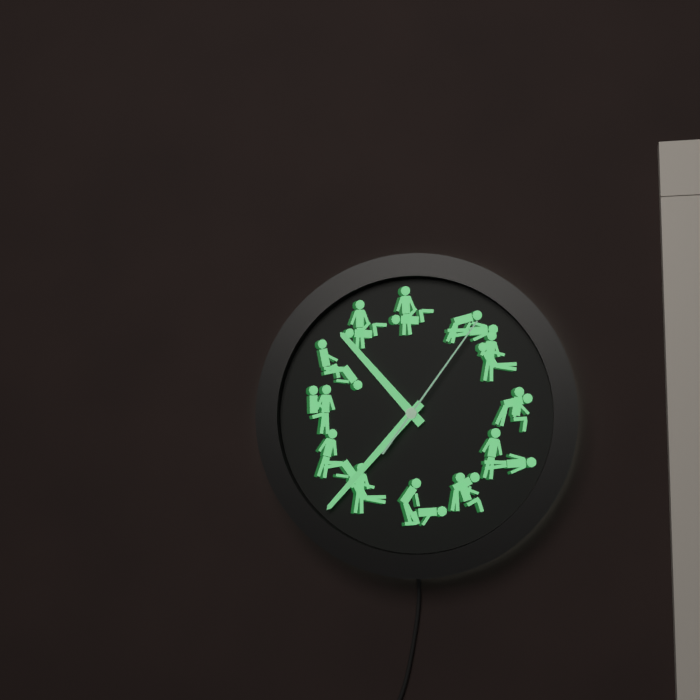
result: 10 h 37 min 06 s
